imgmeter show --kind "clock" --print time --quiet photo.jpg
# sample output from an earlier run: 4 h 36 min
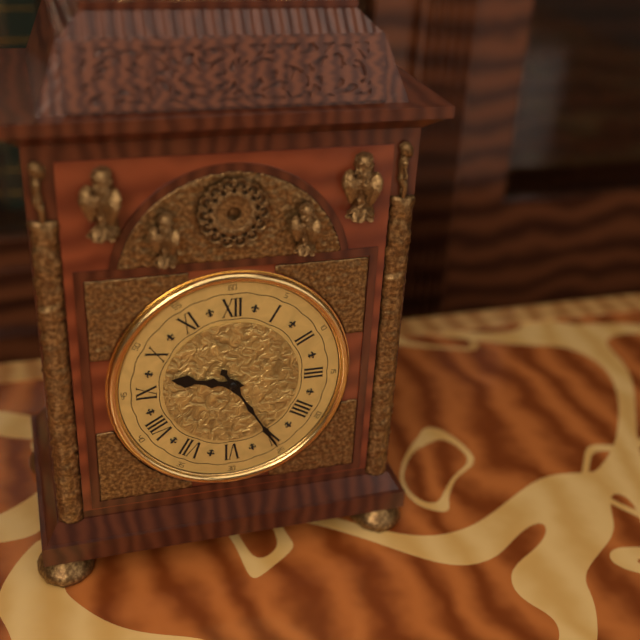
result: 9 h 25 min
